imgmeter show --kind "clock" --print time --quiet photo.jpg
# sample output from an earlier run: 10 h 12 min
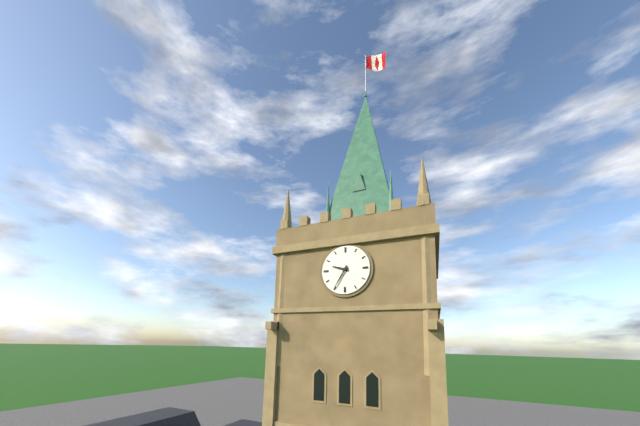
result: 9 h 35 min
